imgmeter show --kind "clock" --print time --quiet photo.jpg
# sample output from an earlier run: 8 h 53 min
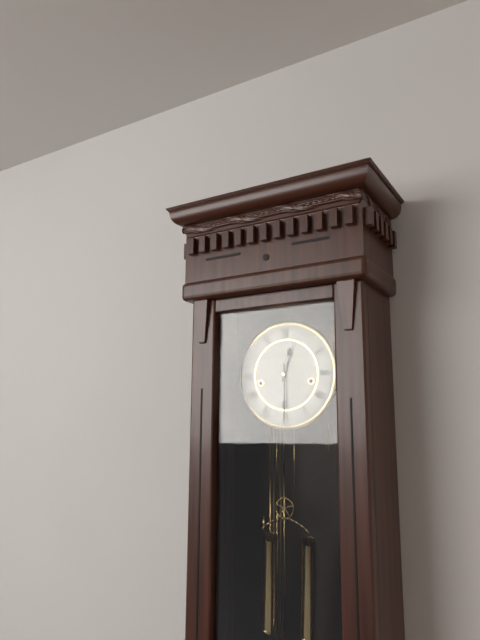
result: 12 h 30 min
